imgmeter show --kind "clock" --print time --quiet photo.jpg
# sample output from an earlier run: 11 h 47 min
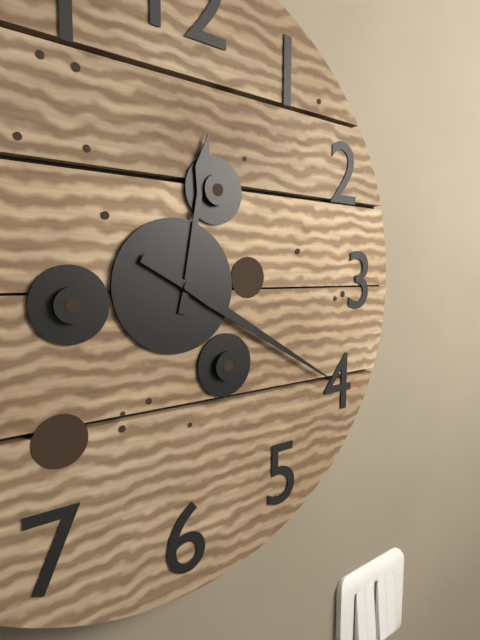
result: 12 h 20 min
